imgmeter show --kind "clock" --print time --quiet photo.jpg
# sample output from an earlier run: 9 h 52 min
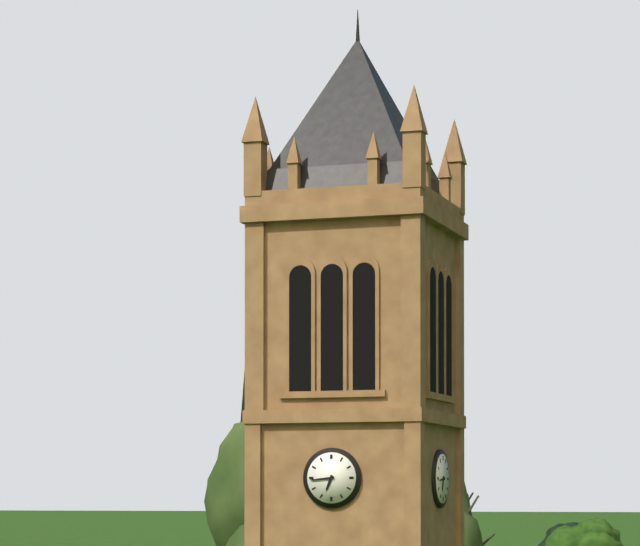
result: 6 h 44 min
